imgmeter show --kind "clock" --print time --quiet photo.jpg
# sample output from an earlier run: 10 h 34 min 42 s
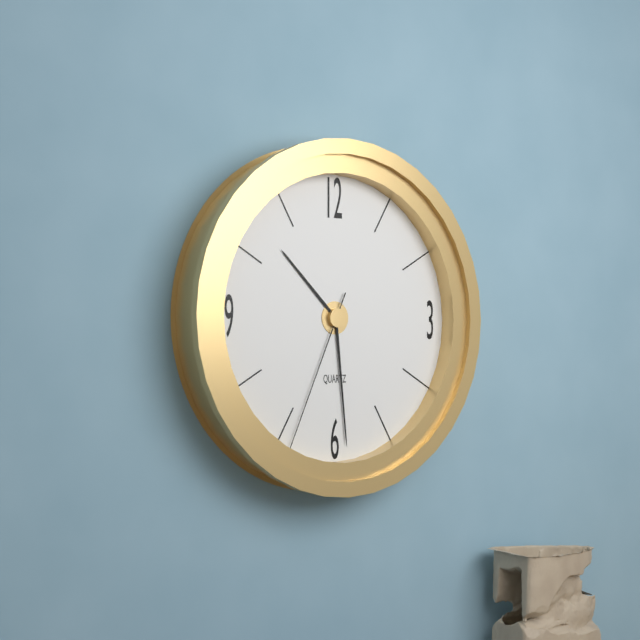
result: 10 h 29 min 34 s
